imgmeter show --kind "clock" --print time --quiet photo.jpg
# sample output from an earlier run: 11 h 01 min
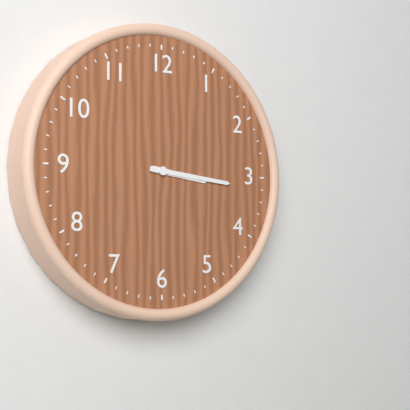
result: 3 h 16 min
